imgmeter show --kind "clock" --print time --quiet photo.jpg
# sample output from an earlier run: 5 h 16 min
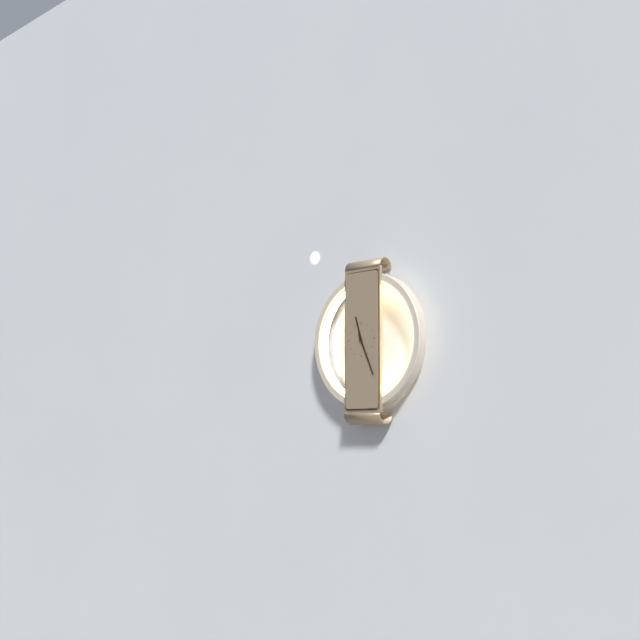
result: 11 h 26 min
